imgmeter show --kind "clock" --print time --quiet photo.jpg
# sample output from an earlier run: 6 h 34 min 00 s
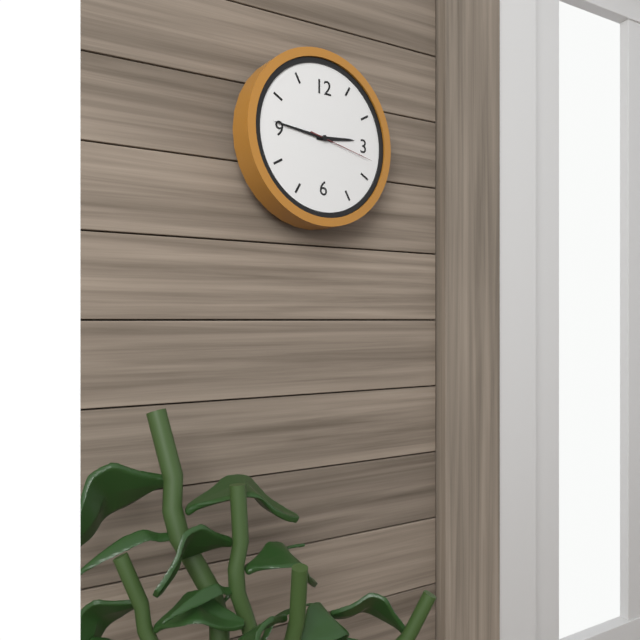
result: 2 h 46 min 17 s
